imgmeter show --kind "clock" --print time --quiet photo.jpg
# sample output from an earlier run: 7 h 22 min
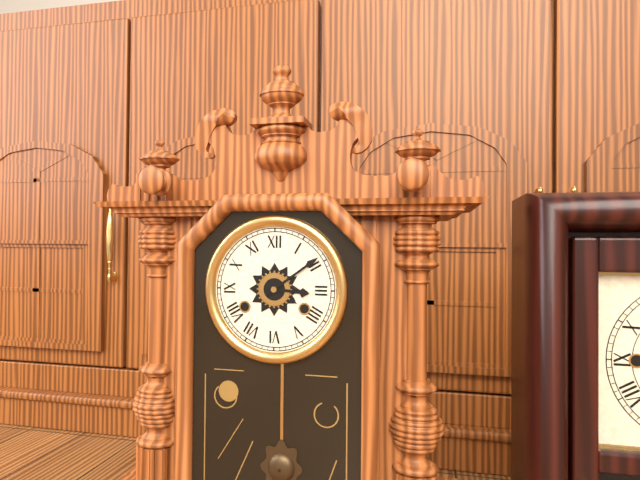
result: 3 h 09 min
